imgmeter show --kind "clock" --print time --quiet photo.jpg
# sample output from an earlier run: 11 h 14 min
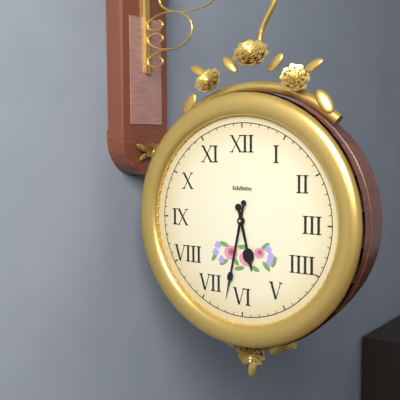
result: 5 h 32 min
